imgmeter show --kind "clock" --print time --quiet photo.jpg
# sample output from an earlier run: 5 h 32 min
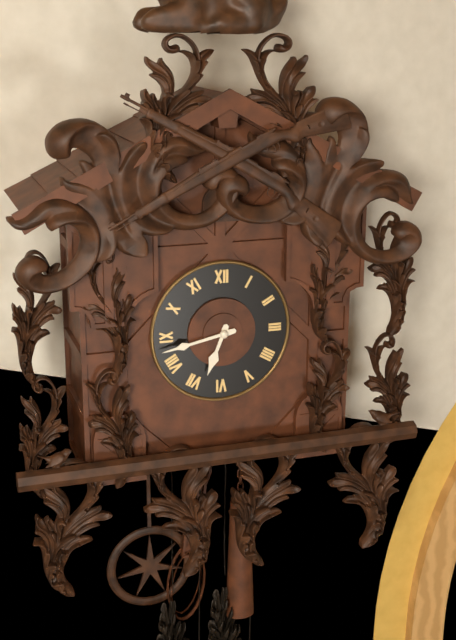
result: 6 h 43 min
